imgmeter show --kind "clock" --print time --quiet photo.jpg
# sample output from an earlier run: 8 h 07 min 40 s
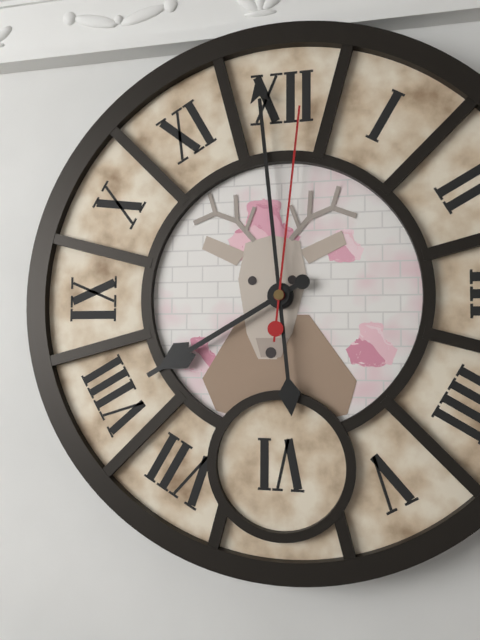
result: 7 h 59 min 01 s
